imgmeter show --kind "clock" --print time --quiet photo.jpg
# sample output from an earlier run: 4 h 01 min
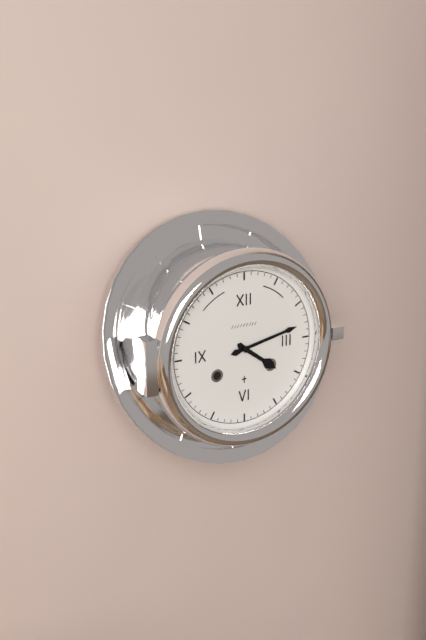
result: 4 h 13 min
